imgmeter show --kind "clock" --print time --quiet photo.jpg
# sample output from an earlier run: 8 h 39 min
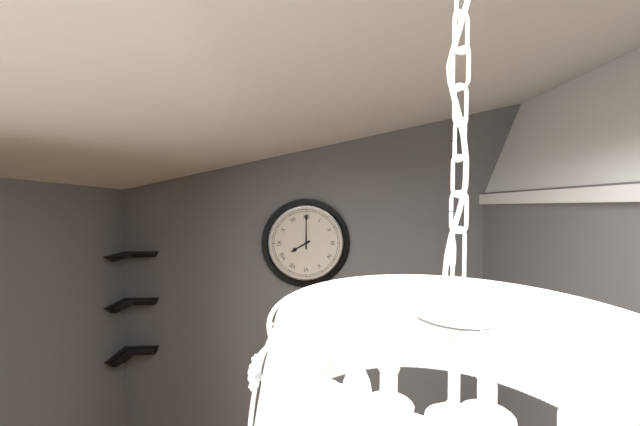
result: 8 h 00 min
